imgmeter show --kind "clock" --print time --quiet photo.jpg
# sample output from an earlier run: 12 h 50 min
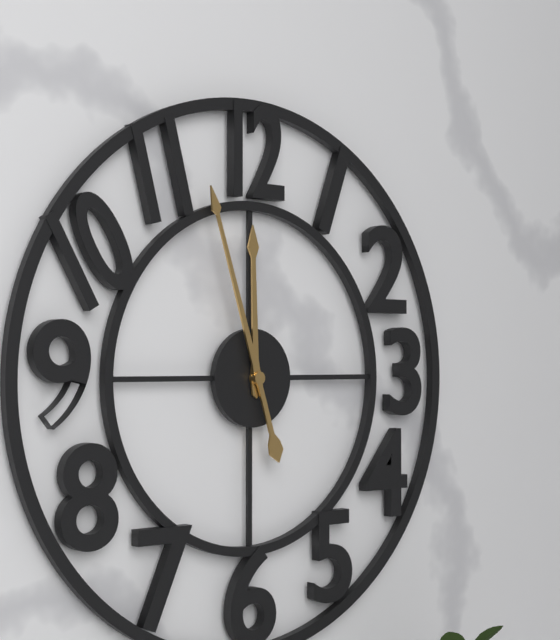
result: 11 h 57 min
